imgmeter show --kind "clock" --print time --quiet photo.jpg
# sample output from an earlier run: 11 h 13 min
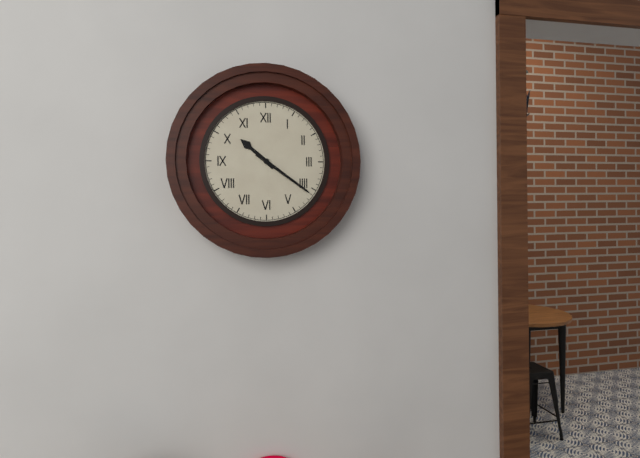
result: 10 h 21 min
